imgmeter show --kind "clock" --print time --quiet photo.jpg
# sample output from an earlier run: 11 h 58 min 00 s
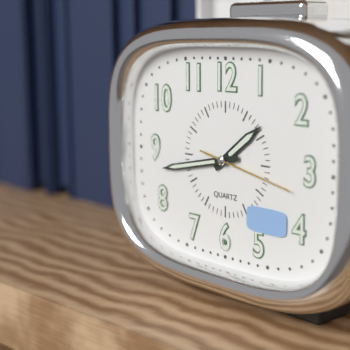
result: 1 h 43 min 17 s
